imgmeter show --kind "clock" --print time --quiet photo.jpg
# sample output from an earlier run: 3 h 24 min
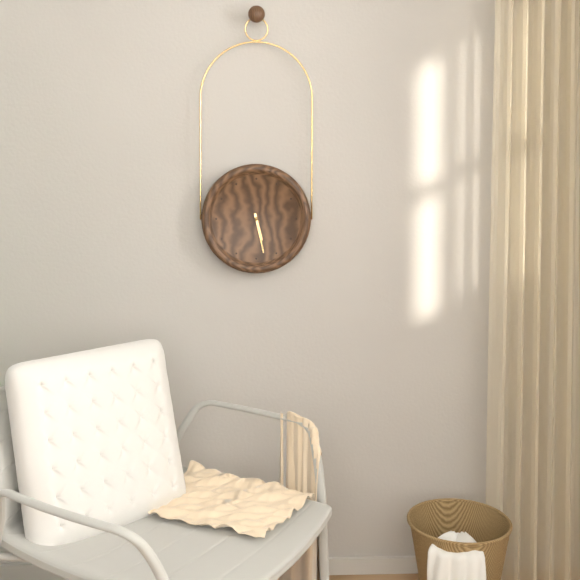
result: 5 h 28 min
